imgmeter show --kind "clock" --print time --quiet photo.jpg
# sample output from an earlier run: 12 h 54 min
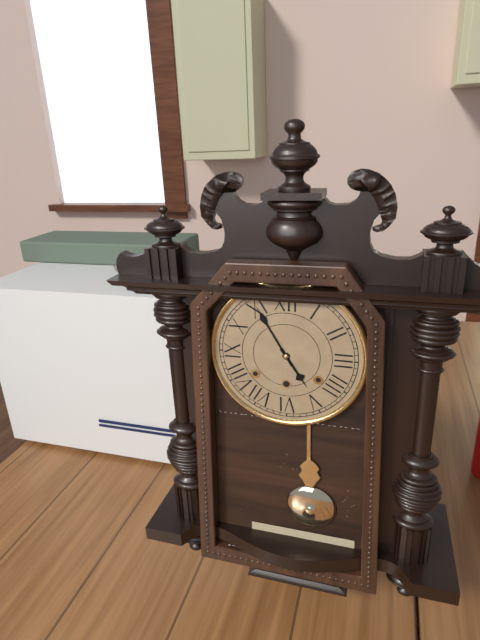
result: 4 h 55 min
